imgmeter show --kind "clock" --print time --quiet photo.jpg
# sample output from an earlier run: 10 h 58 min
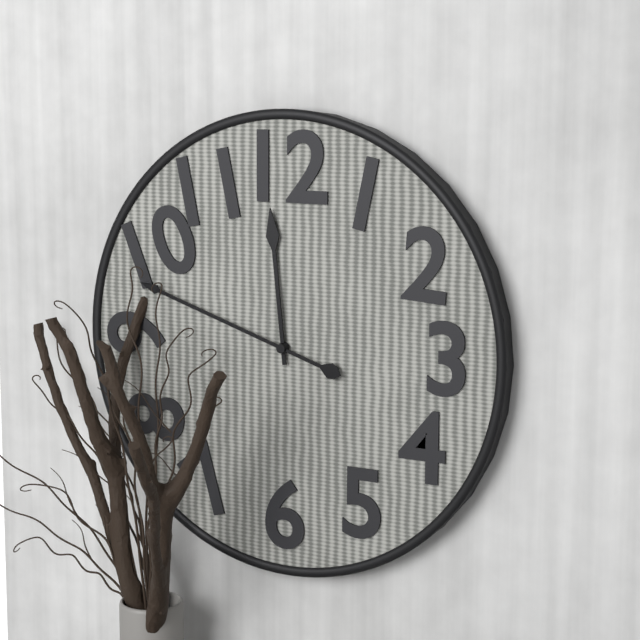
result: 11 h 48 min
